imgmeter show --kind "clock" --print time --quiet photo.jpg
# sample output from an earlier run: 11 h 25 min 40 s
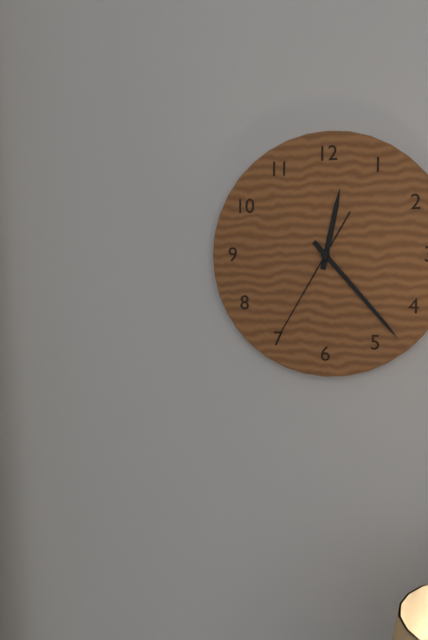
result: 12 h 23 min 35 s
